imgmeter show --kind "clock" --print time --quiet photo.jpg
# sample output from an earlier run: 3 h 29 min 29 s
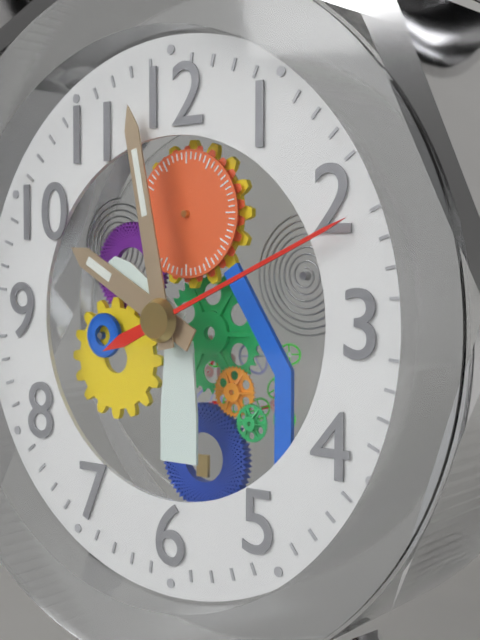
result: 9 h 58 min 11 s
